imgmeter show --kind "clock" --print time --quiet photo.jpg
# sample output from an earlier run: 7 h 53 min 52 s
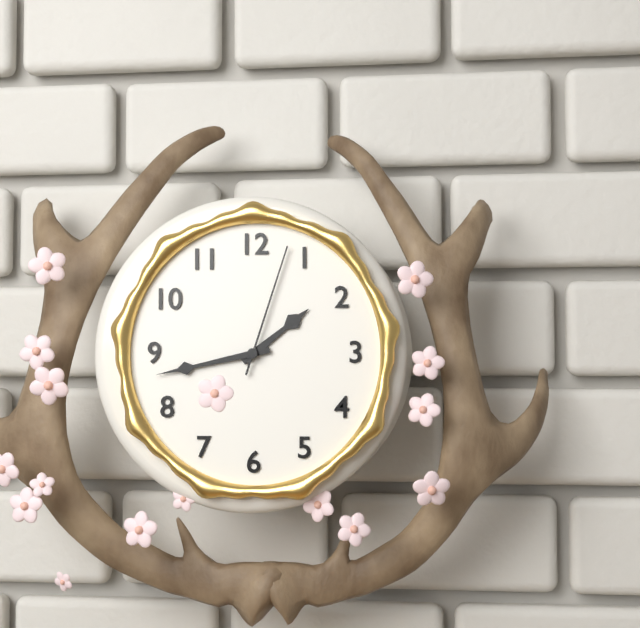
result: 1 h 43 min 03 s
